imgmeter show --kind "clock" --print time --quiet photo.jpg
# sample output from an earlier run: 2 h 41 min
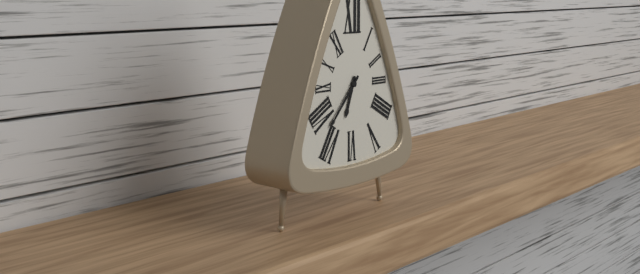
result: 6 h 37 min
